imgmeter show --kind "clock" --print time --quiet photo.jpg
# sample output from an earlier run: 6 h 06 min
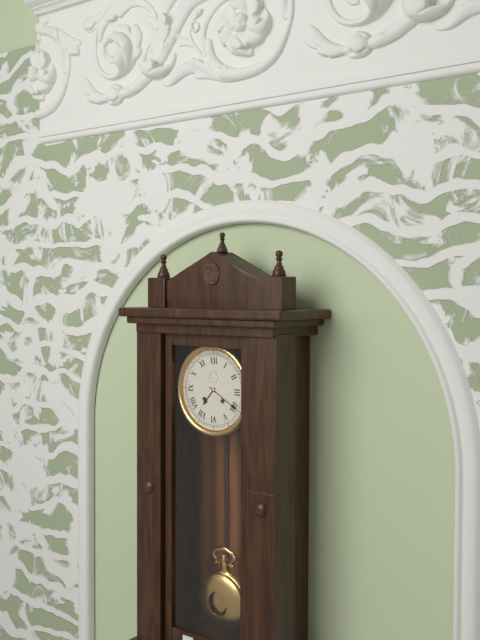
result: 7 h 20 min
